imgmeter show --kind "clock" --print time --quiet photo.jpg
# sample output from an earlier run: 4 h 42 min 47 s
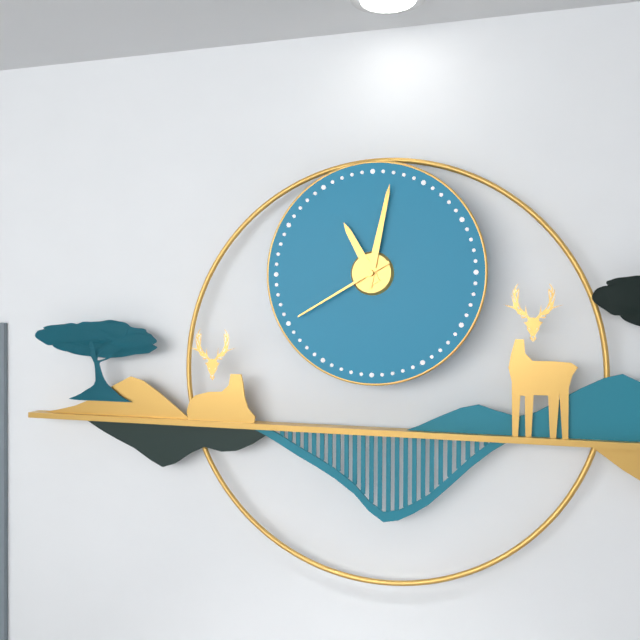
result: 11 h 02 min 40 s
